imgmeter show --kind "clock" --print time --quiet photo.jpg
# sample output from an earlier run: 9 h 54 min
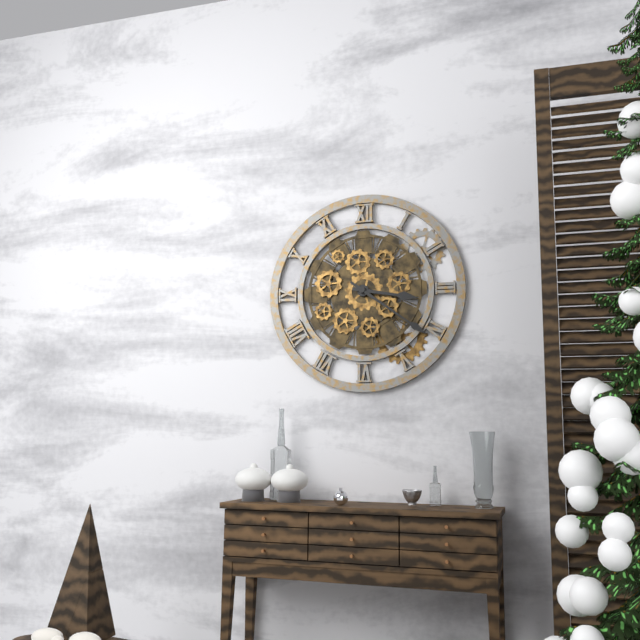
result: 3 h 21 min
